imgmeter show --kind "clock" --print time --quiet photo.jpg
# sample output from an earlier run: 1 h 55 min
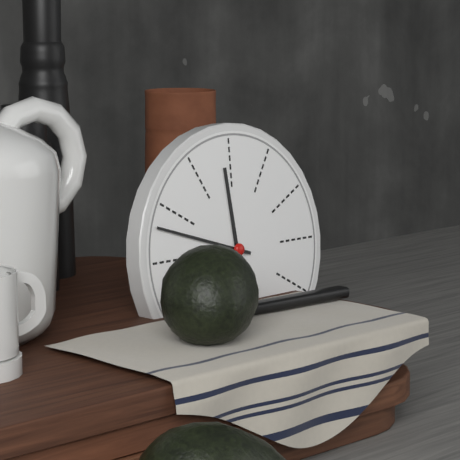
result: 11 h 48 min
